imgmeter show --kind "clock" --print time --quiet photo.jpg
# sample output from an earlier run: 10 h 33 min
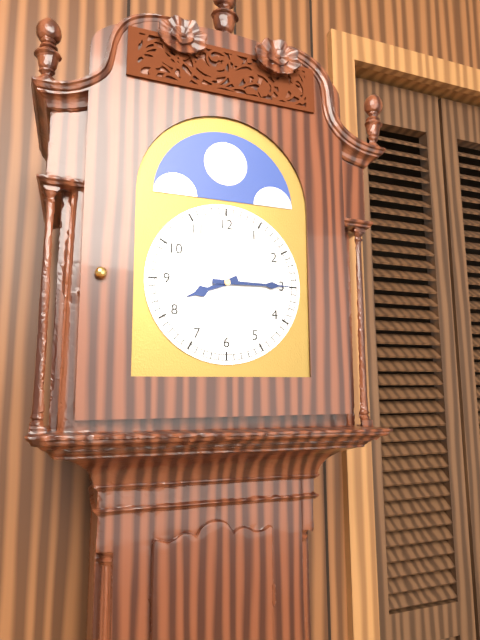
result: 8 h 15 min
